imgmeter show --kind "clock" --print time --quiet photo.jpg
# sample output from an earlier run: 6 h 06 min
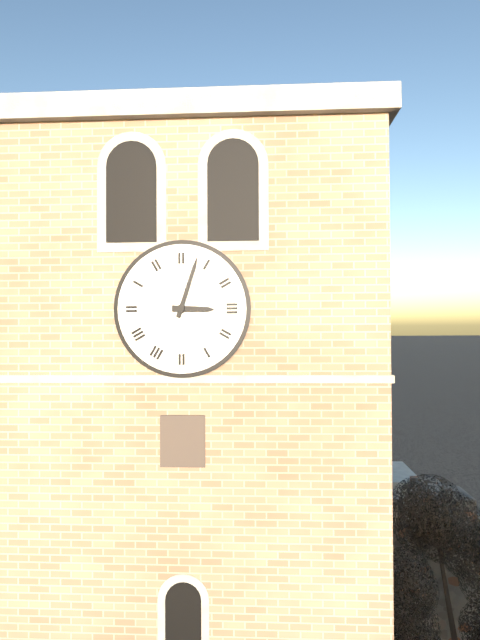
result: 3 h 03 min
